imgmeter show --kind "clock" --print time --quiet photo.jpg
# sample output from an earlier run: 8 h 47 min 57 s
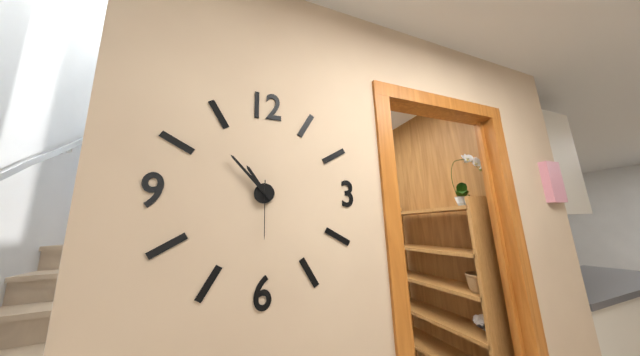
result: 10 h 53 min 30 s
